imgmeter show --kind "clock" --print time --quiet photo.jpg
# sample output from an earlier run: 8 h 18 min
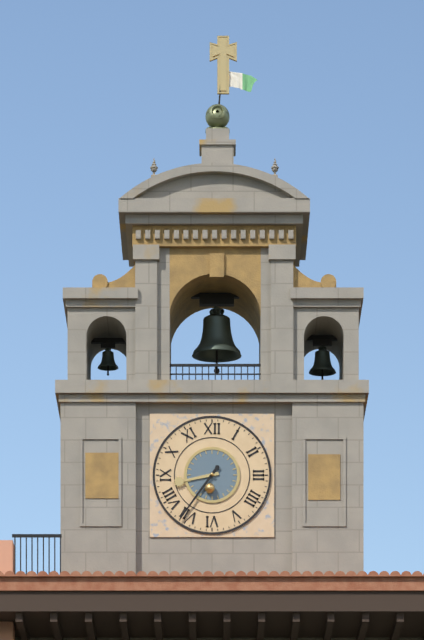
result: 8 h 36 min
